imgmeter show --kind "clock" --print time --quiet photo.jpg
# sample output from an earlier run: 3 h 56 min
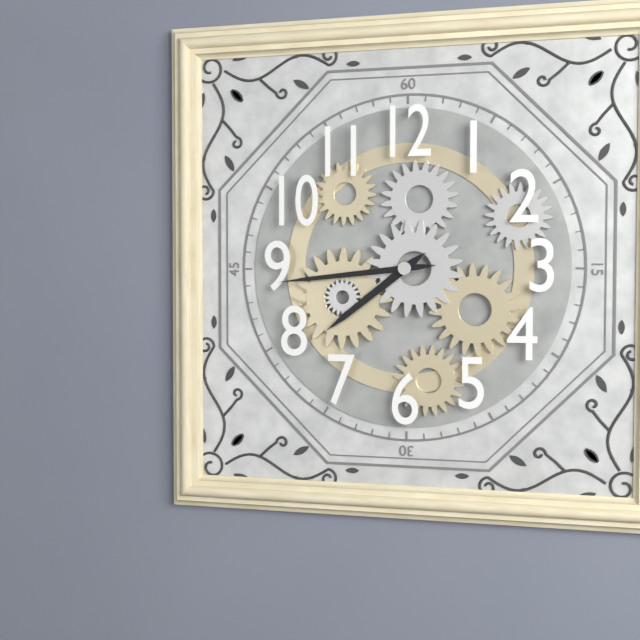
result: 7 h 44 min
